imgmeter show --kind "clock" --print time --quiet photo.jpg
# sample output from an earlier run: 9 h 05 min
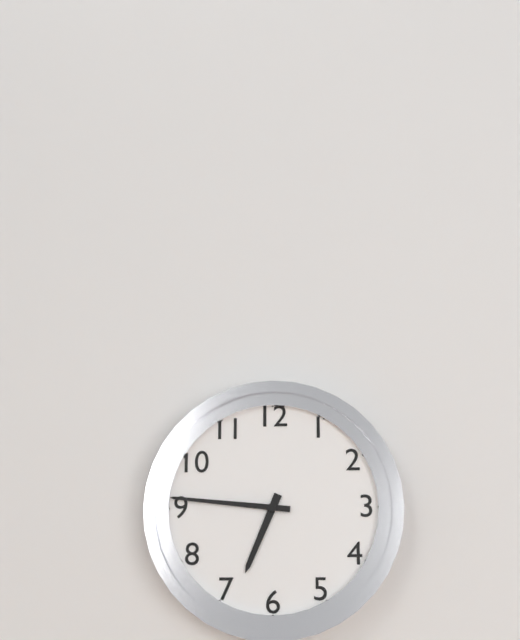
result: 6 h 46 min
